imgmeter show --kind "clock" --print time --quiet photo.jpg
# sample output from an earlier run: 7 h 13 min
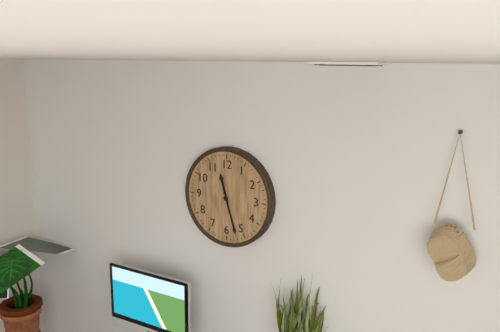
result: 11 h 27 min
